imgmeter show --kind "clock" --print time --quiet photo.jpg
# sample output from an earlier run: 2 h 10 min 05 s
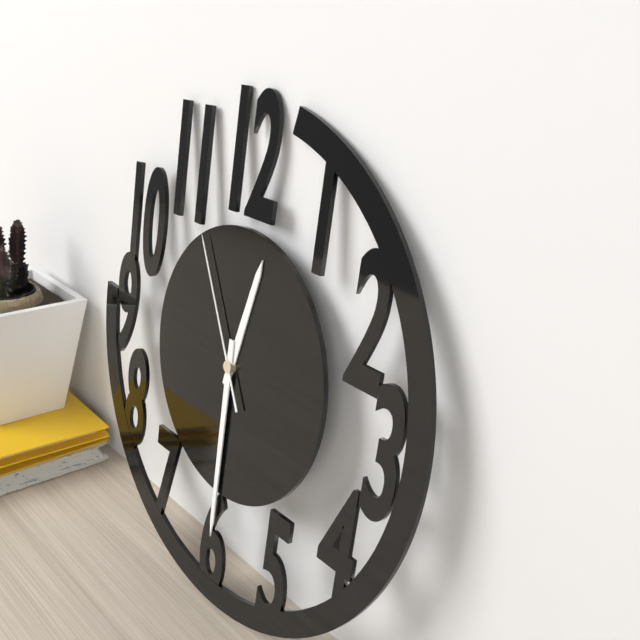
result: 12 h 30 min 55 s
